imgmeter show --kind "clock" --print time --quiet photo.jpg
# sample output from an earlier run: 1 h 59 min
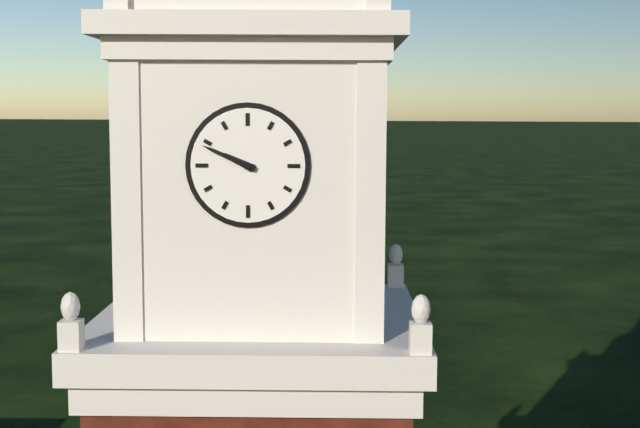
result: 9 h 49 min
